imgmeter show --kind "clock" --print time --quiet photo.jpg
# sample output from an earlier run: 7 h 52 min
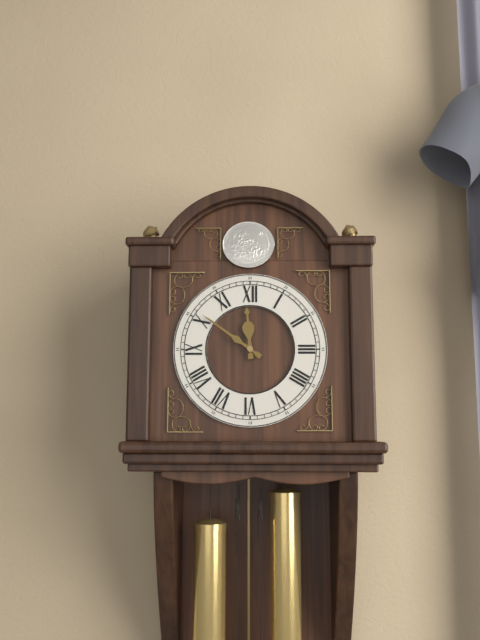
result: 11 h 51 min
